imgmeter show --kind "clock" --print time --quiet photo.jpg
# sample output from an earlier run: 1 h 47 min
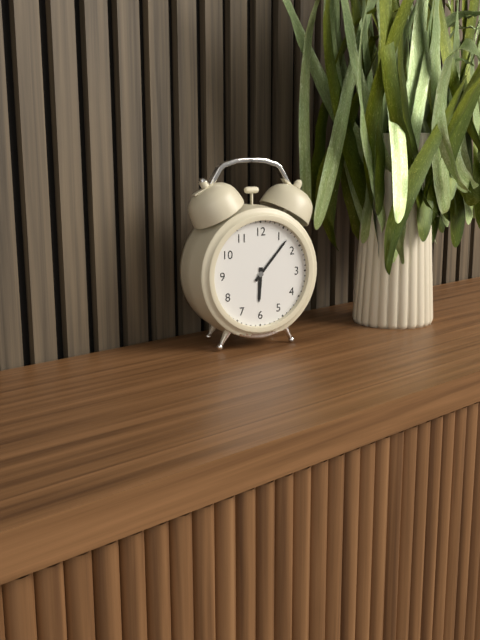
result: 6 h 07 min
